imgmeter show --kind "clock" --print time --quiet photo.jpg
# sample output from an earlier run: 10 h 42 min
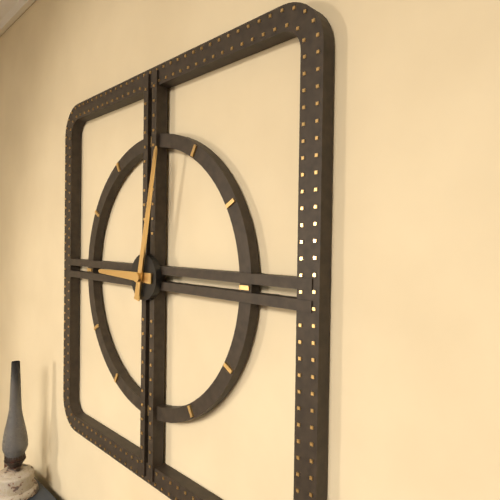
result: 9 h 02 min
